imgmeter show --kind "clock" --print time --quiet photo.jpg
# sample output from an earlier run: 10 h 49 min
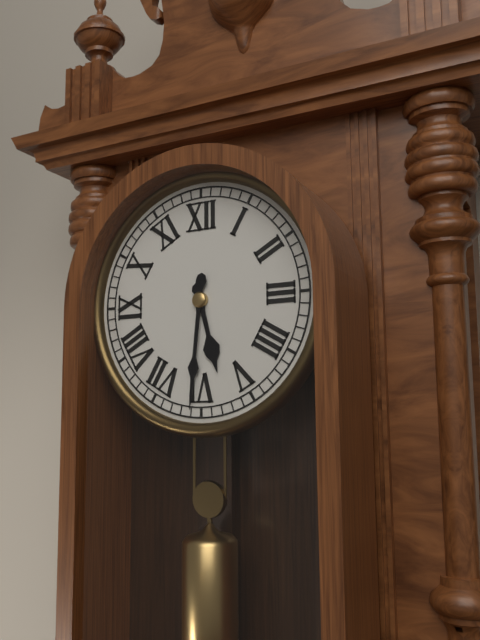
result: 5 h 31 min
